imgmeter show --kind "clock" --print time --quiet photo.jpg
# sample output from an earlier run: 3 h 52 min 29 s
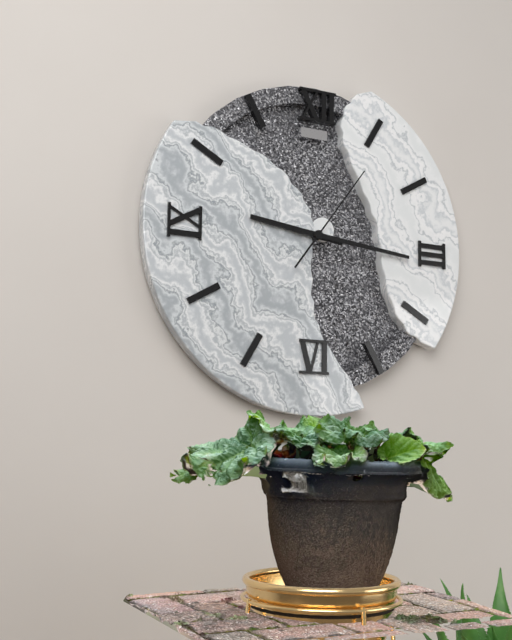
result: 9 h 16 min 06 s
